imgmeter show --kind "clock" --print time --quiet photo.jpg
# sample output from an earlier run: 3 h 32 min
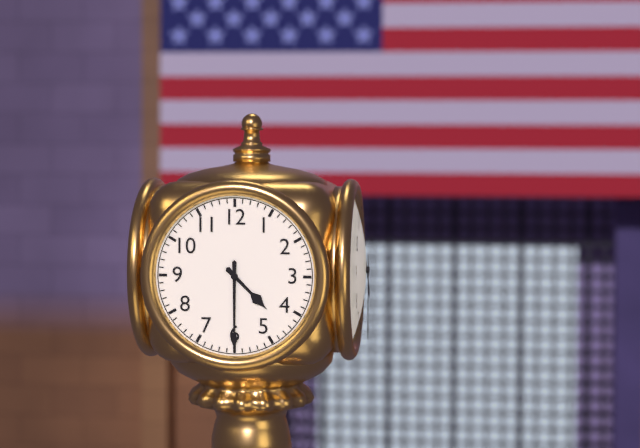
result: 4 h 30 min
